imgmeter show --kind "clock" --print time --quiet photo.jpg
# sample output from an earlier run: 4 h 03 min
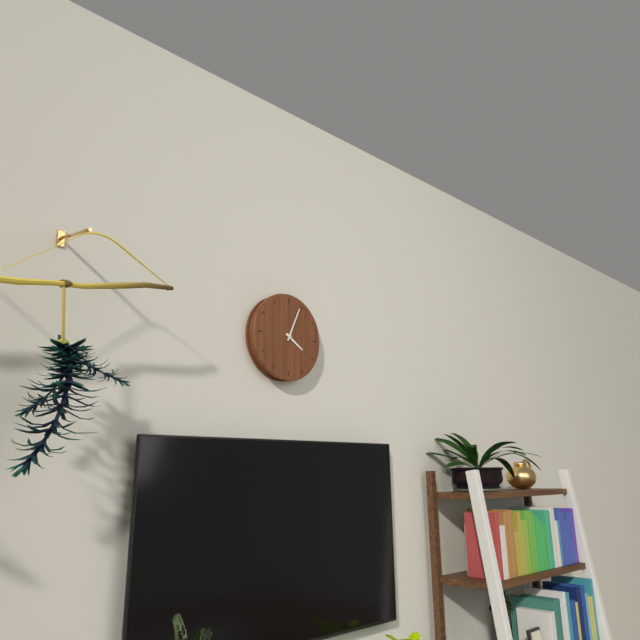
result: 4 h 04 min
